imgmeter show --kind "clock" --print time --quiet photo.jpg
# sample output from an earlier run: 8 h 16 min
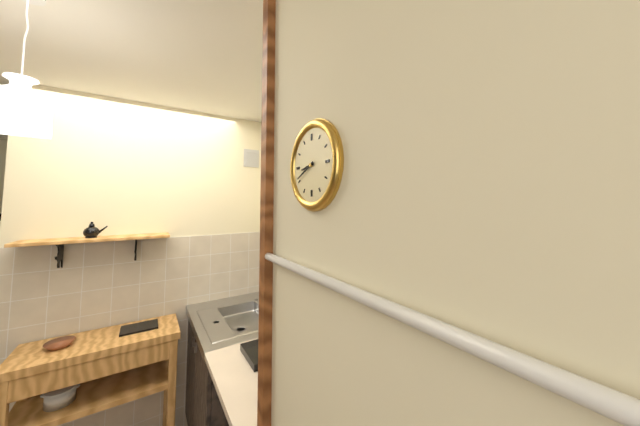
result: 8 h 41 min
